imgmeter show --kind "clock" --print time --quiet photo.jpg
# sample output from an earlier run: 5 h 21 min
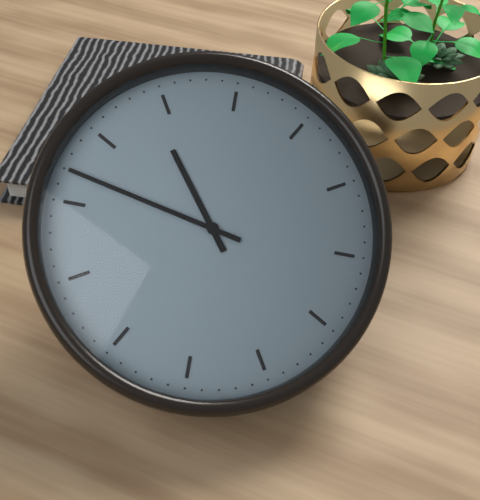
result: 10 h 47 min
